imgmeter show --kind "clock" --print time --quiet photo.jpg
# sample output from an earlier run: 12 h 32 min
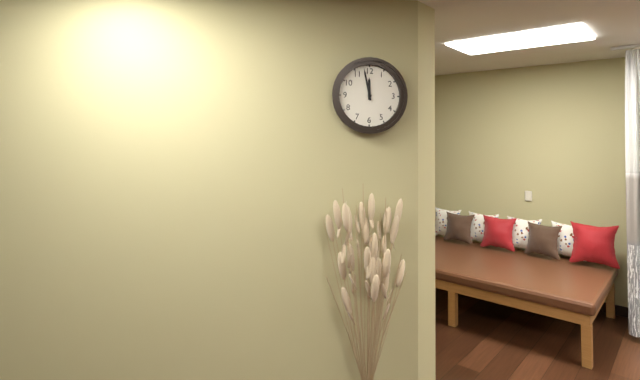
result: 11 h 58 min
